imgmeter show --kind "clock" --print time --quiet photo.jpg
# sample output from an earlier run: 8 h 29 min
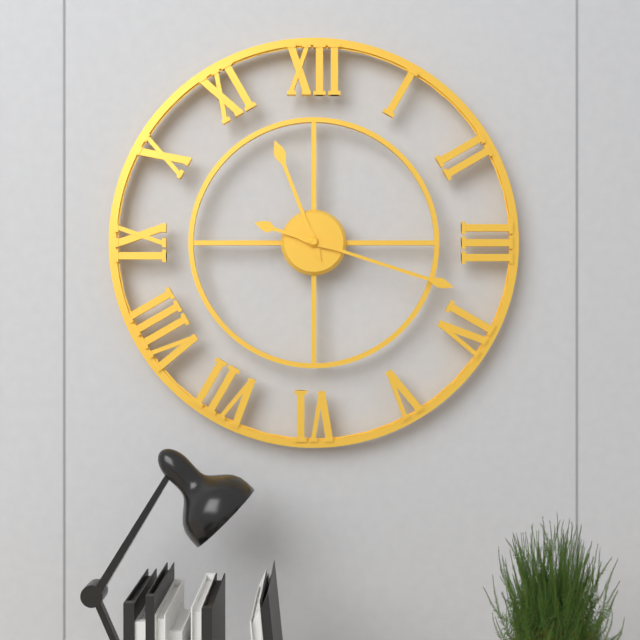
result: 11 h 18 min
